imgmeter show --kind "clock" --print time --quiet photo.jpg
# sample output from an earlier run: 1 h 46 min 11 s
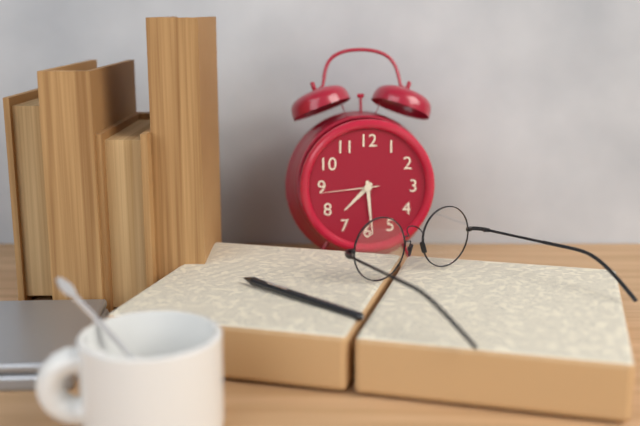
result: 7 h 29 min 44 s
